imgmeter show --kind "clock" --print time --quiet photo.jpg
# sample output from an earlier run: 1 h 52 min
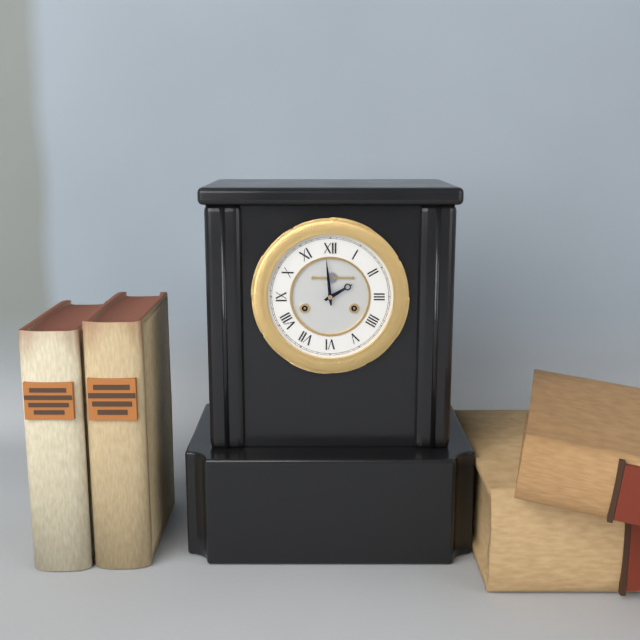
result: 1 h 59 min
